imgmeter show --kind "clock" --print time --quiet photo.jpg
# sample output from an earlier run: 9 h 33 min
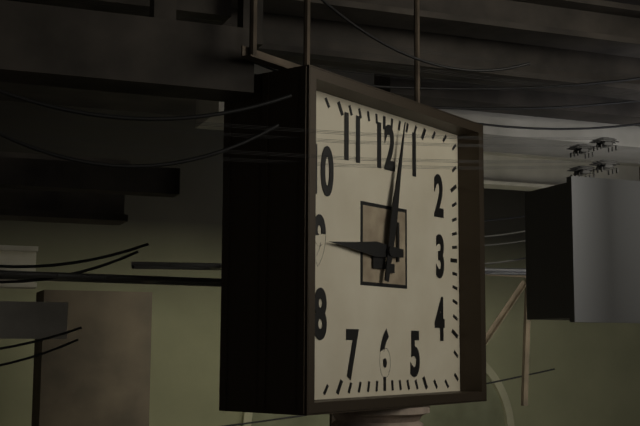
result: 9 h 02 min
